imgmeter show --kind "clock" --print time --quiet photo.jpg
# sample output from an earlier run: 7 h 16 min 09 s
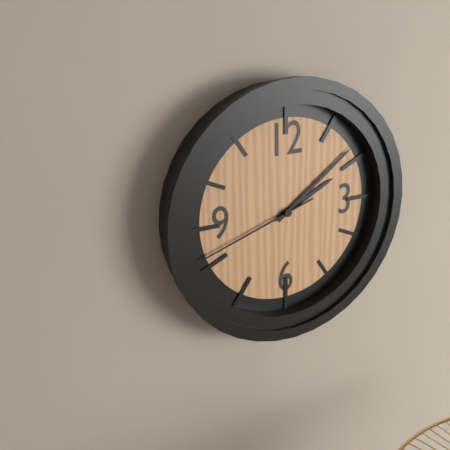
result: 2 h 09 min 42 s
